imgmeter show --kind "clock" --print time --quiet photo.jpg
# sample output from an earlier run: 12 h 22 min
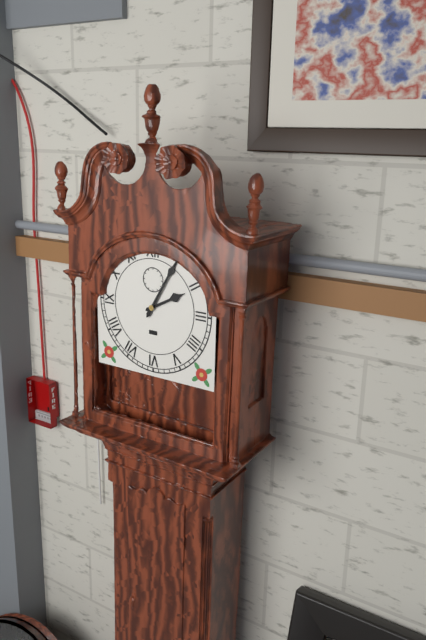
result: 2 h 05 min
